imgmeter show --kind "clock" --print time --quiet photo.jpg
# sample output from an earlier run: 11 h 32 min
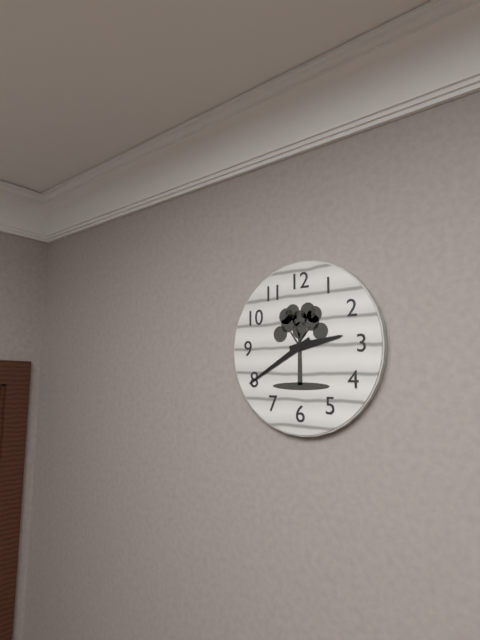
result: 2 h 40 min
